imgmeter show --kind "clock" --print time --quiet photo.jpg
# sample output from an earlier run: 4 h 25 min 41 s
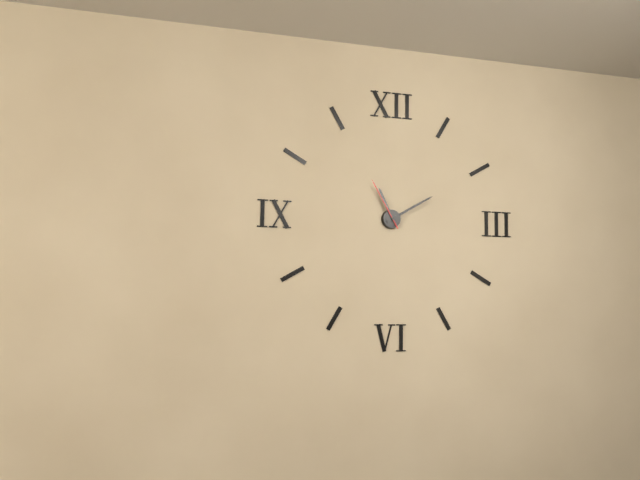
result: 11 h 10 min 55 s
